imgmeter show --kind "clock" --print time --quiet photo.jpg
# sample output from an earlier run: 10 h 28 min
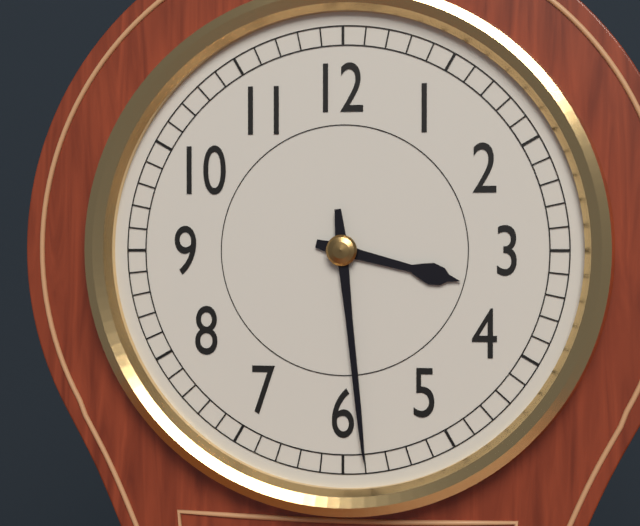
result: 3 h 29 min
